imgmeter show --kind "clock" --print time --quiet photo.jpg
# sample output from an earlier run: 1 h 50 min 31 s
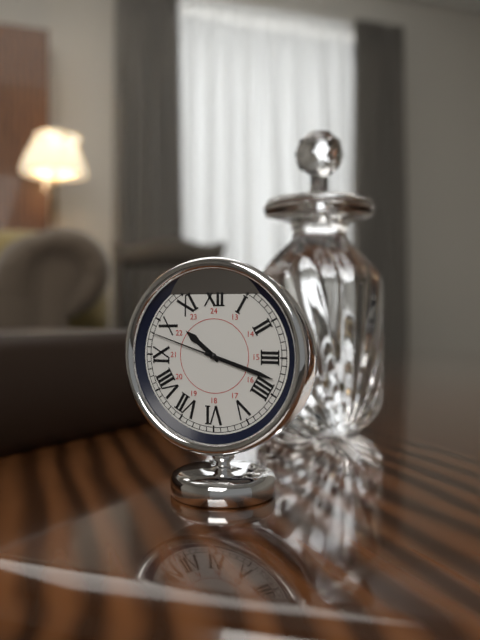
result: 10 h 18 min 48 s
